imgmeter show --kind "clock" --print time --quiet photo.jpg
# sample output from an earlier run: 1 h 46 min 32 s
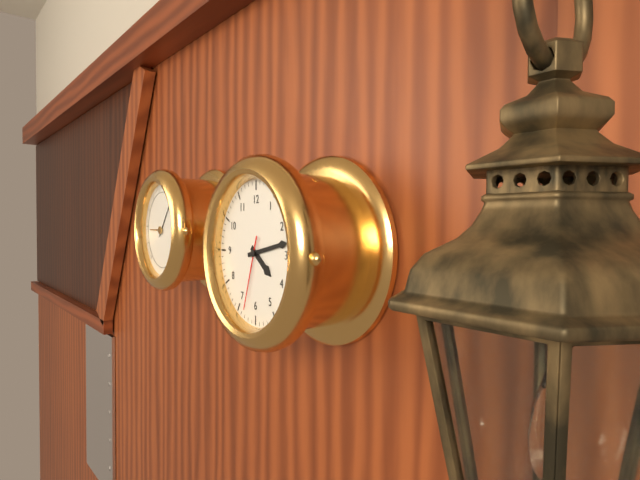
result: 4 h 13 min 33 s
